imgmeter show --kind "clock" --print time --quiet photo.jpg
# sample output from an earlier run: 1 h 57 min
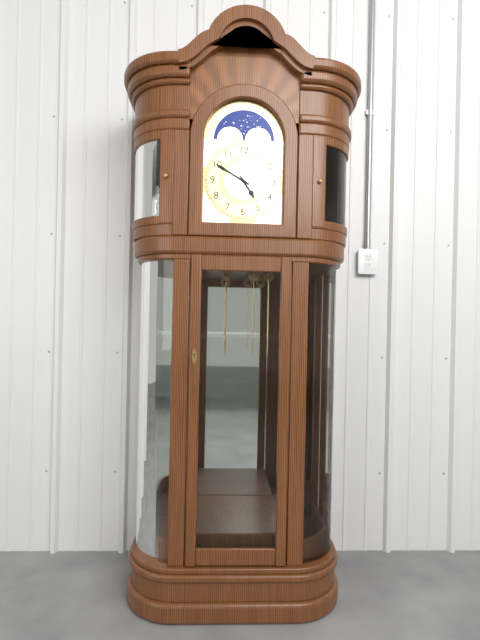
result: 4 h 50 min
